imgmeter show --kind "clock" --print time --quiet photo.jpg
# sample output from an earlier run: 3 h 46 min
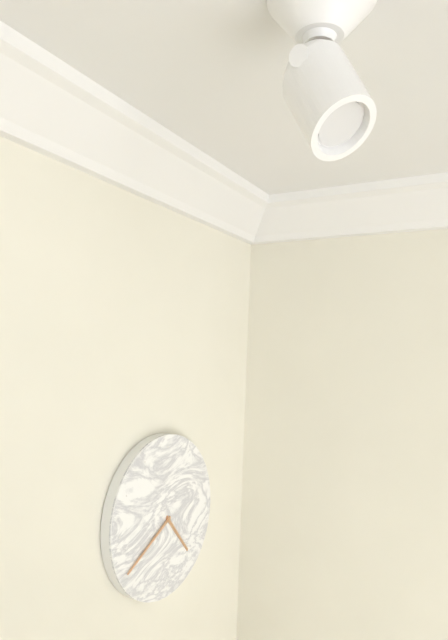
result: 4 h 40 min
